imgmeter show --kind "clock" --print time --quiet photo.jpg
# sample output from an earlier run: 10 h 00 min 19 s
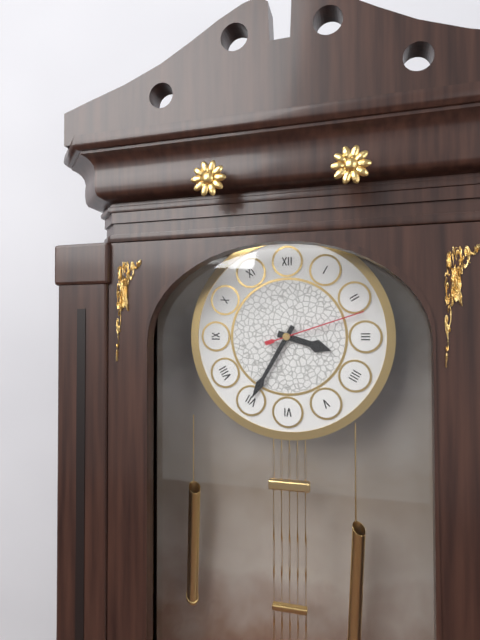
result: 3 h 35 min 12 s
